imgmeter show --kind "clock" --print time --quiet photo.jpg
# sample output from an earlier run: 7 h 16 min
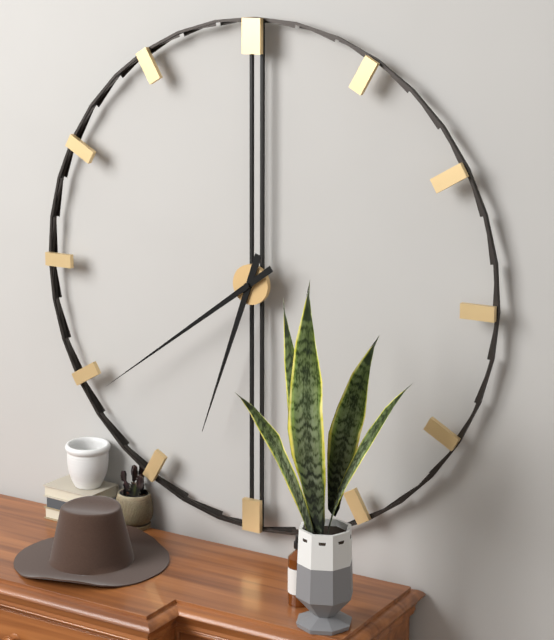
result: 6 h 39 min
